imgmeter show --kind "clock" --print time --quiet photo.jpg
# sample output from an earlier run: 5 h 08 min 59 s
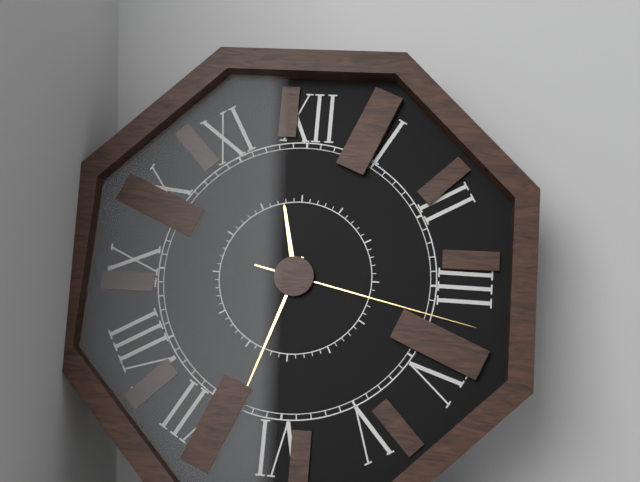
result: 11 h 33 min 17 s
